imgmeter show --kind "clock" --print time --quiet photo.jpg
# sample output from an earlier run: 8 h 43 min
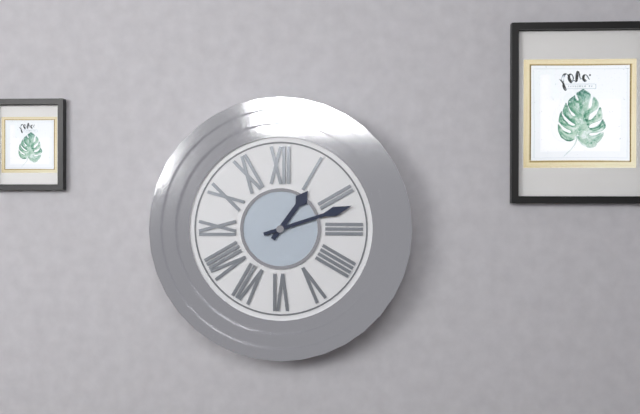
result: 1 h 12 min
